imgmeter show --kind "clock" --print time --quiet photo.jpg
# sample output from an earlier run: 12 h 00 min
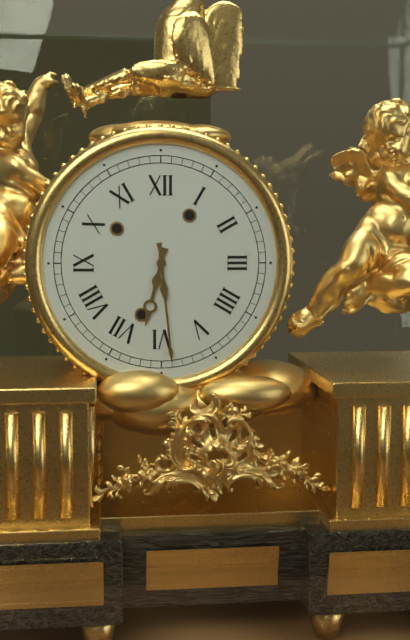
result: 6 h 29 min
